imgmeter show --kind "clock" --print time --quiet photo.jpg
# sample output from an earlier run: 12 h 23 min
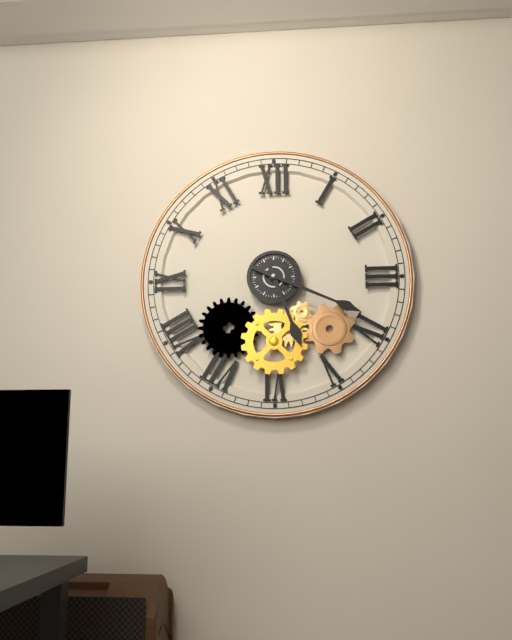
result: 5 h 19 min
